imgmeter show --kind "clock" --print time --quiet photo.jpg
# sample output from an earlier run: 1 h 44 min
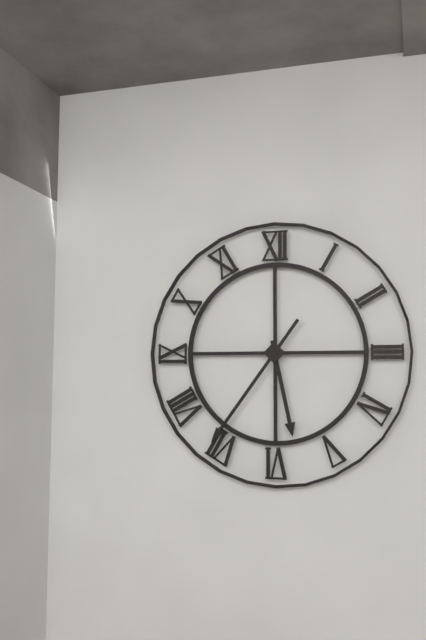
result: 5 h 36 min
